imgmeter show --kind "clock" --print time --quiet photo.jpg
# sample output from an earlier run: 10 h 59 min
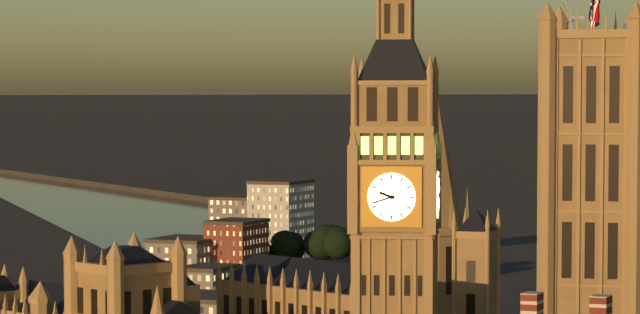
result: 9 h 42 min
